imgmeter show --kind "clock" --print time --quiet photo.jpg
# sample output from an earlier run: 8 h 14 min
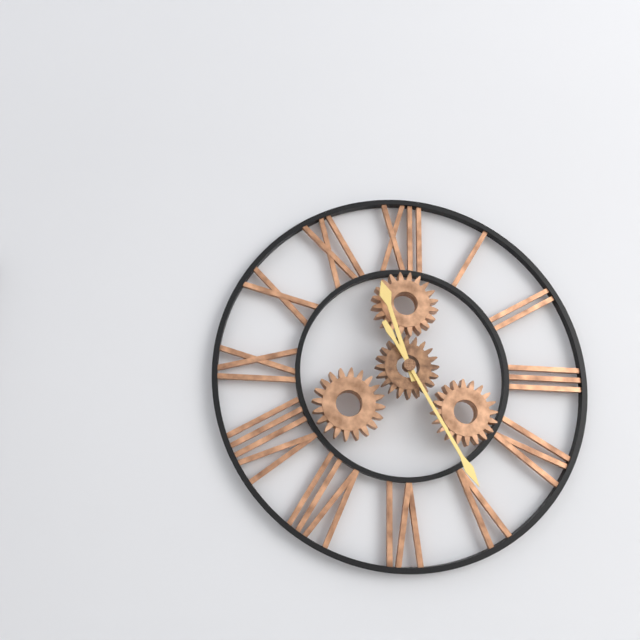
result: 11 h 25 min
